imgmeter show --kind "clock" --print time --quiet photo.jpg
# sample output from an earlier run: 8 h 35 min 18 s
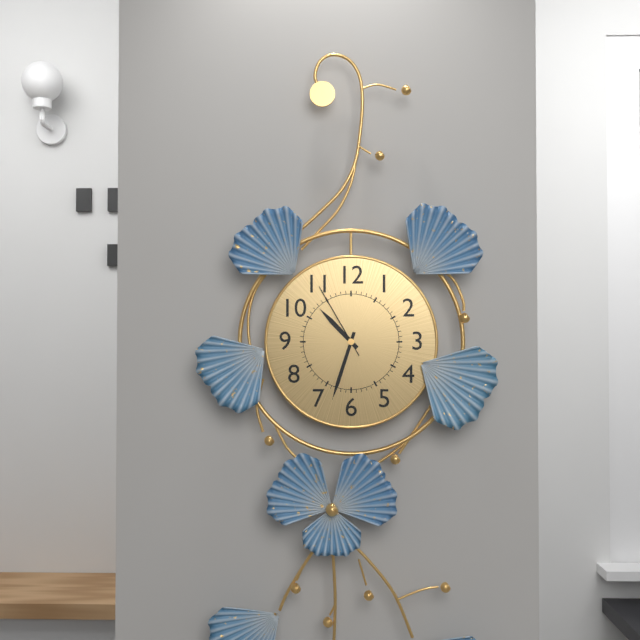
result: 10 h 33 min 55 s
